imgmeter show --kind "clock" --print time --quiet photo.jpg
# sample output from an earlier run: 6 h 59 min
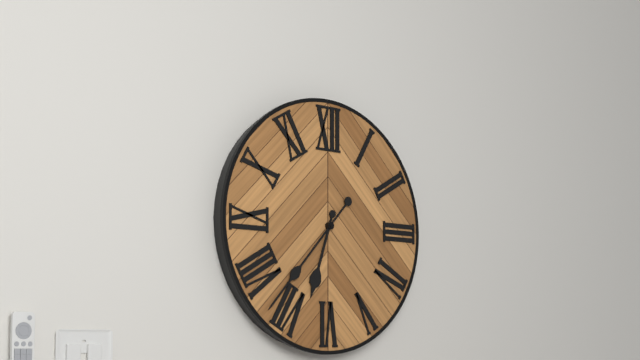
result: 6 h 37 min
